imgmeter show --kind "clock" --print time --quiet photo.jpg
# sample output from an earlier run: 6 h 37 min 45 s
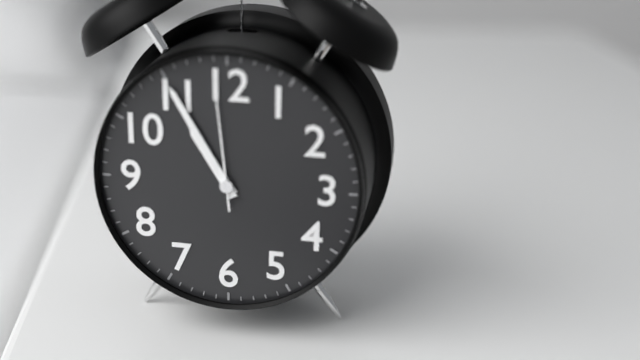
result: 10 h 55 min 59 s
